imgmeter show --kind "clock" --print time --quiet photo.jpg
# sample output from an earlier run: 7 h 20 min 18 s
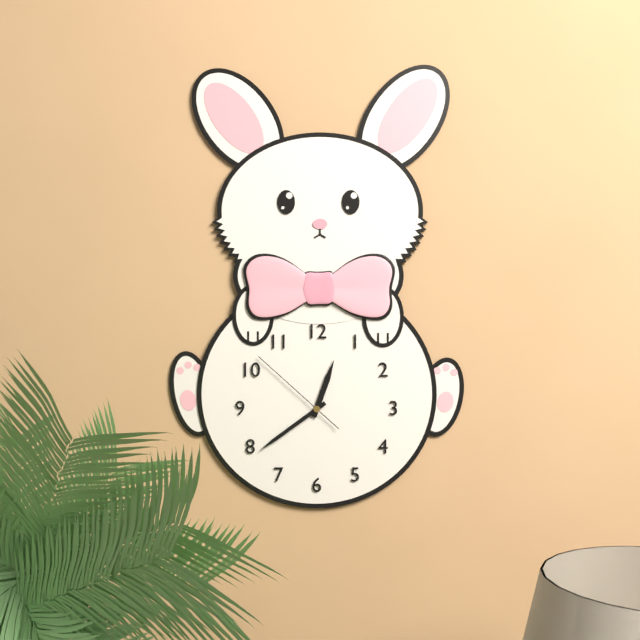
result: 12 h 39 min 52 s
